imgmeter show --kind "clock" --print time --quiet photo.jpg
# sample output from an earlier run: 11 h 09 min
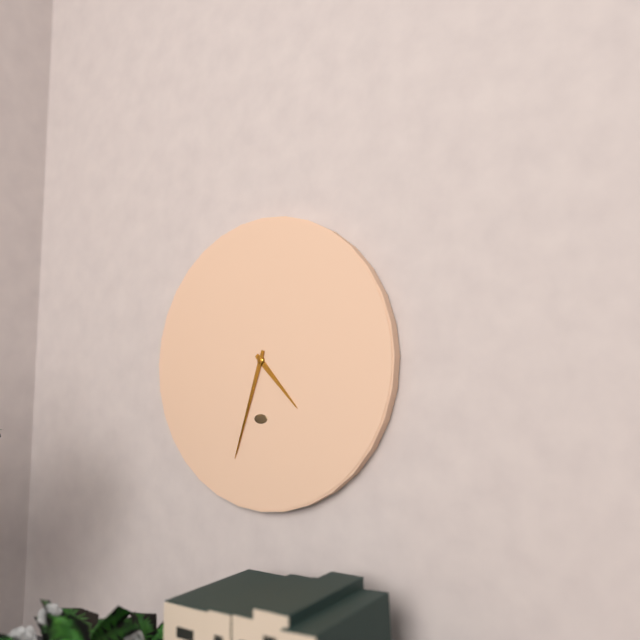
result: 4 h 33 min
